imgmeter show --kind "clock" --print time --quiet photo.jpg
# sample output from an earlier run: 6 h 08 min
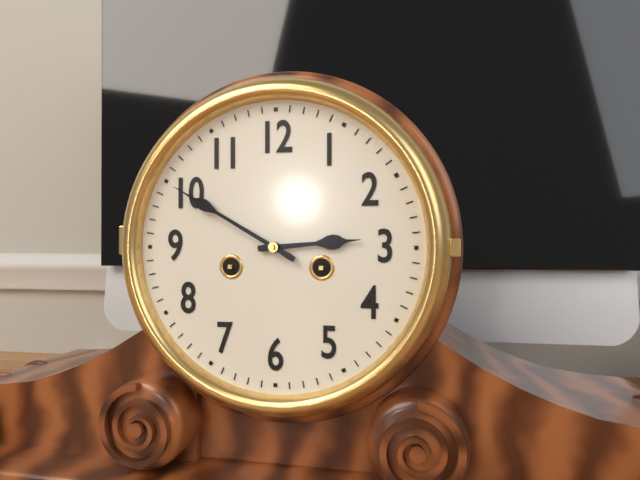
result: 2 h 50 min
